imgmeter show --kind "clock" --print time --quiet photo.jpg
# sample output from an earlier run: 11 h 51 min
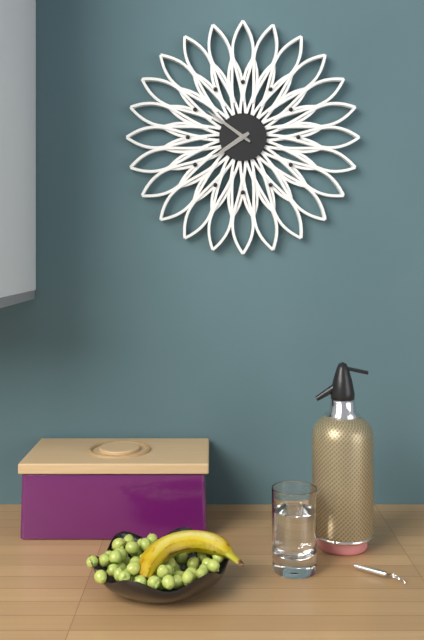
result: 7 h 51 min
